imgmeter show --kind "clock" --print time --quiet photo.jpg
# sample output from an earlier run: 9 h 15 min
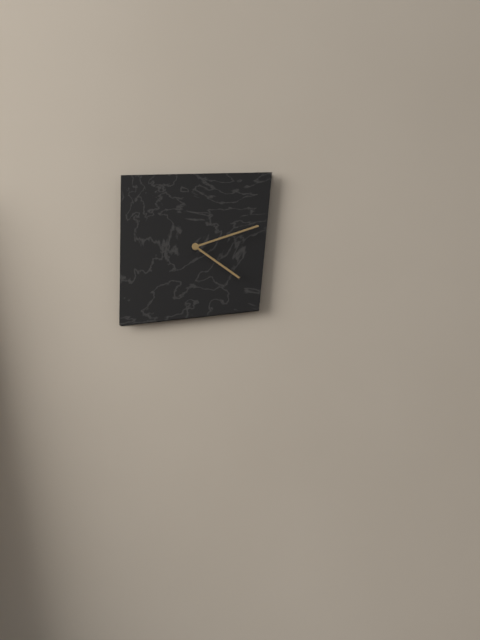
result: 4 h 12 min
